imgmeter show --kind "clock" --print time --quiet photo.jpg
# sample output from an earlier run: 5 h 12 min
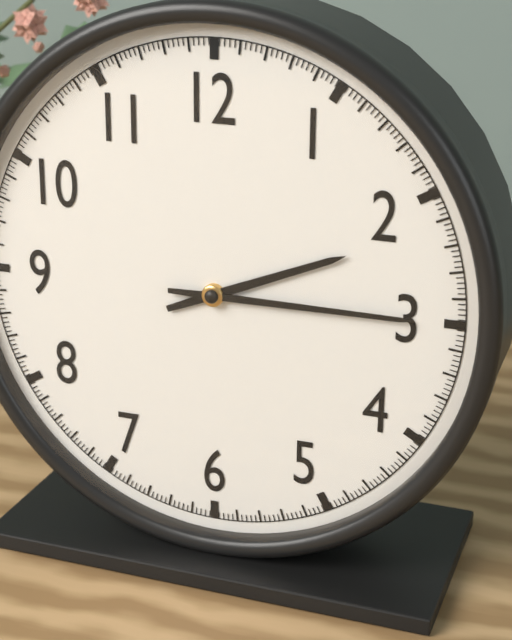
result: 2 h 15 min
